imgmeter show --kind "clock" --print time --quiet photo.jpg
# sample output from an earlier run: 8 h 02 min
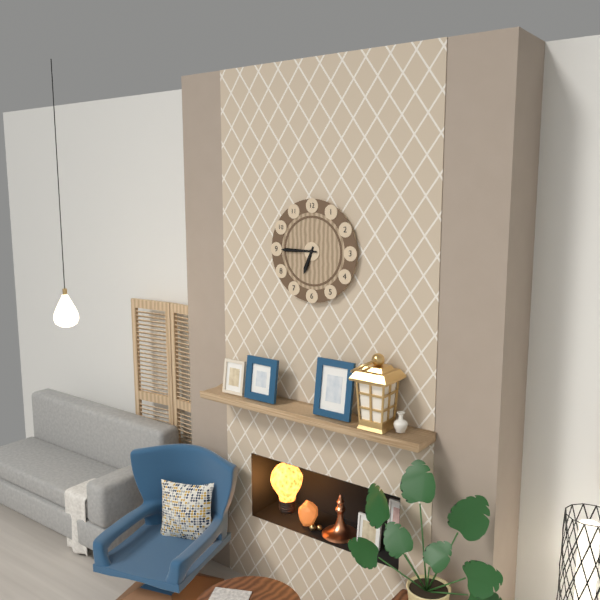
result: 6 h 45 min
